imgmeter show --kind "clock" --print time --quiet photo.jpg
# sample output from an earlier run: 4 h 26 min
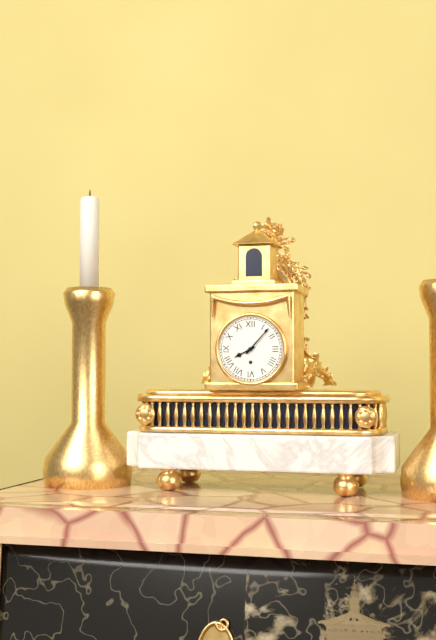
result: 8 h 07 min
